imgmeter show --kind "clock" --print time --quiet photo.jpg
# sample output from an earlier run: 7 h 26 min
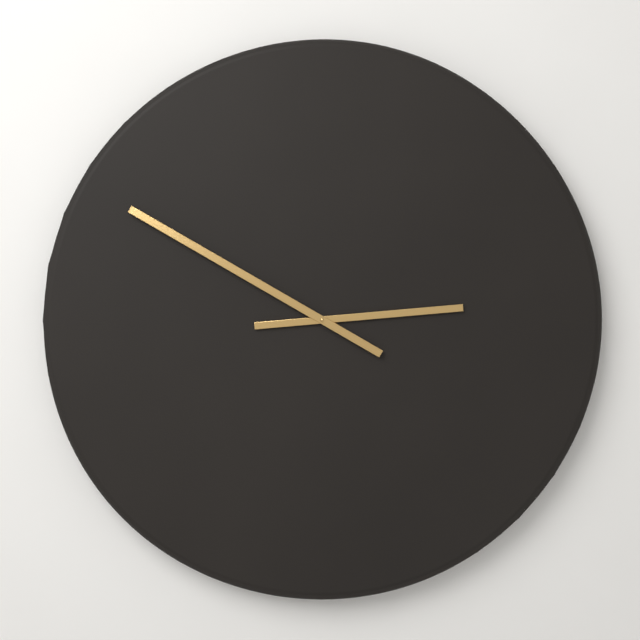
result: 2 h 50 min
